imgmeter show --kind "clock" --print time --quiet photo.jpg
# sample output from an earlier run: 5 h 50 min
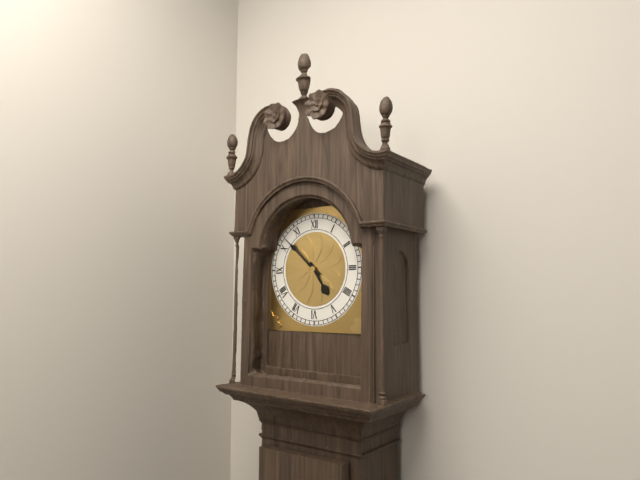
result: 4 h 52 min
